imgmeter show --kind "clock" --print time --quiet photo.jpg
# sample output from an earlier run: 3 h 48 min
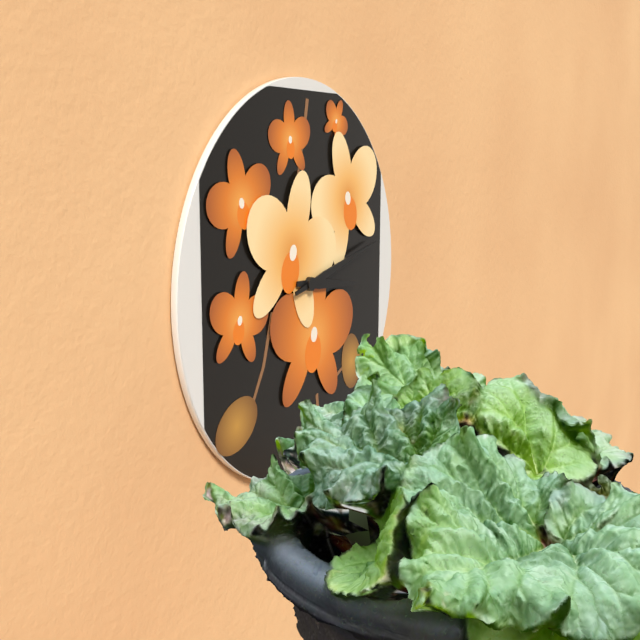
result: 3 h 13 min
